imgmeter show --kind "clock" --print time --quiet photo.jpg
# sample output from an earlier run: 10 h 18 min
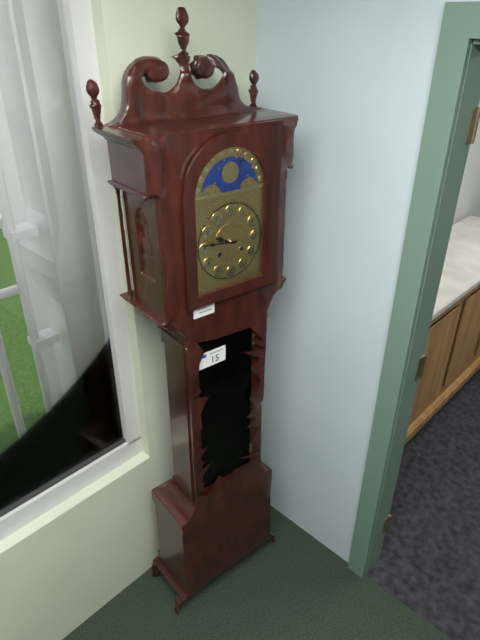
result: 9 h 46 min
